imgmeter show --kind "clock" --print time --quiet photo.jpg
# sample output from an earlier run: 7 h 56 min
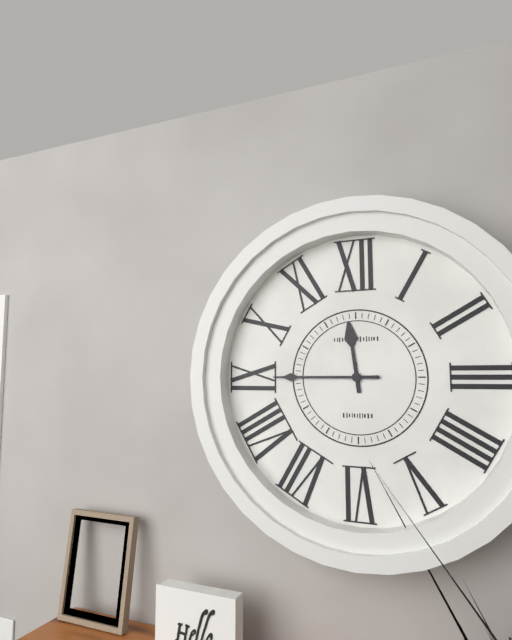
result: 11 h 45 min
